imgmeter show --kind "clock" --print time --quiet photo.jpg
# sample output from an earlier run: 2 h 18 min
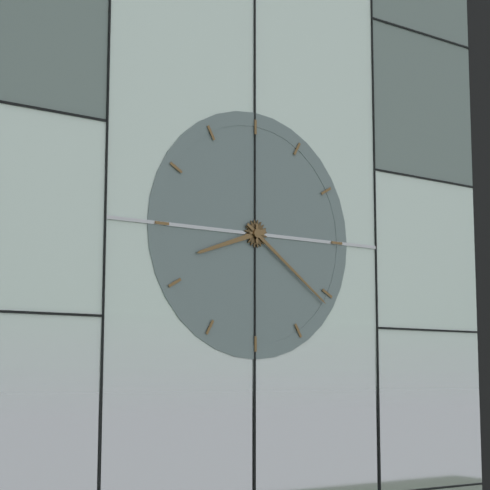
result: 8 h 21 min
